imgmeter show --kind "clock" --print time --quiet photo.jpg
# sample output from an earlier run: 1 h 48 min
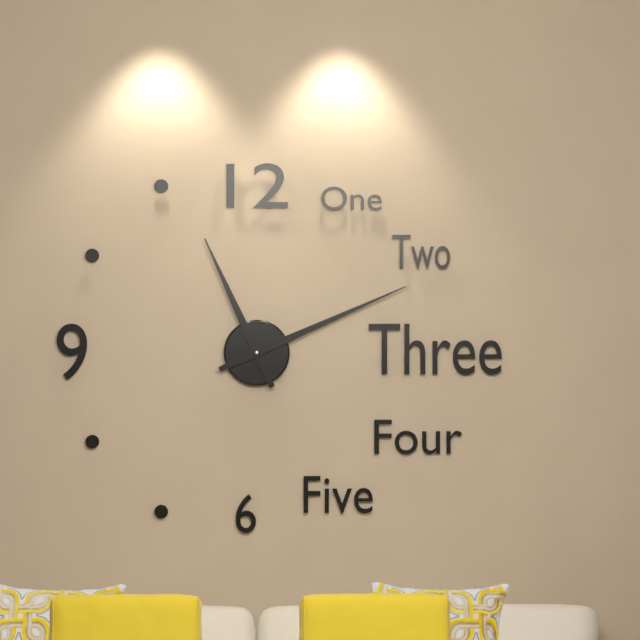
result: 11 h 11 min
